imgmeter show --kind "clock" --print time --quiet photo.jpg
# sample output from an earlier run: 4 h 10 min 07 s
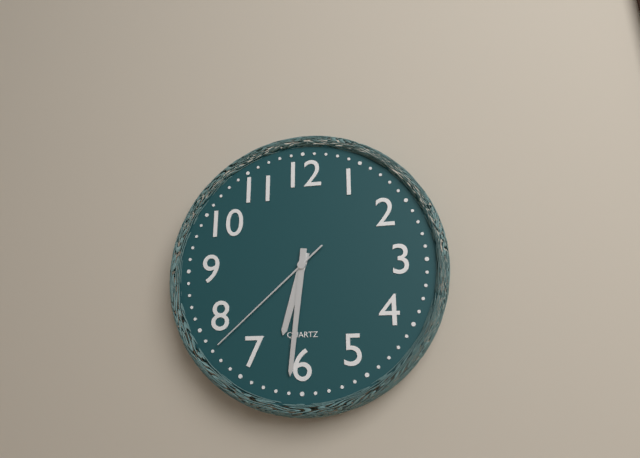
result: 6 h 31 min 38 s
